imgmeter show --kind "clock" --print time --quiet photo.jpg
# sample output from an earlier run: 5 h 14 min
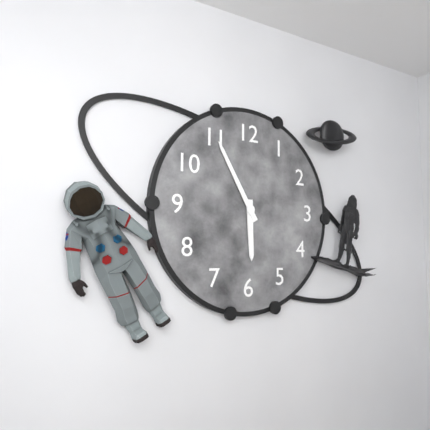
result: 5 h 55 min
